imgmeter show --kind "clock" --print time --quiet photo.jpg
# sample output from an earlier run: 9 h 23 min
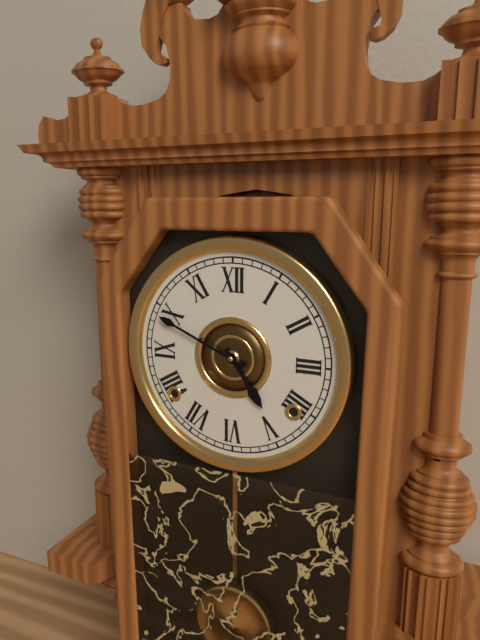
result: 4 h 49 min
